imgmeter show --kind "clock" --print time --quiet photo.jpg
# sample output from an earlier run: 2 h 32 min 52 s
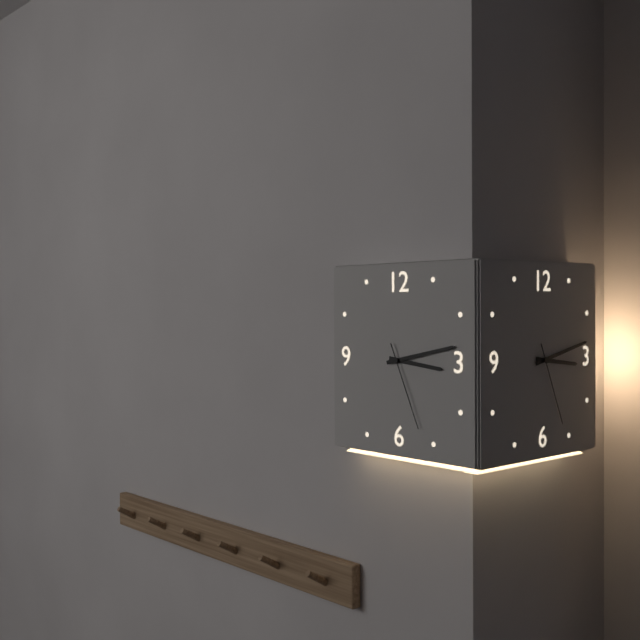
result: 3 h 13 min 26 s
